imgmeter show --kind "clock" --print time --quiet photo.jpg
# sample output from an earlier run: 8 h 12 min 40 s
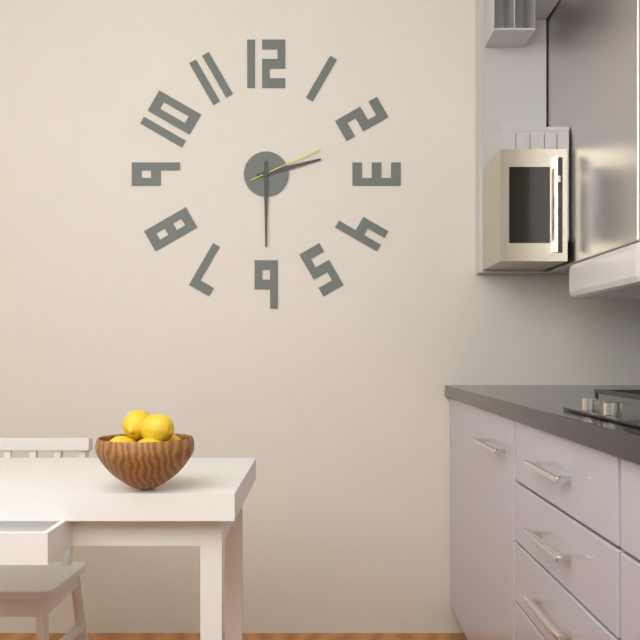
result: 2 h 30 min 11 s
